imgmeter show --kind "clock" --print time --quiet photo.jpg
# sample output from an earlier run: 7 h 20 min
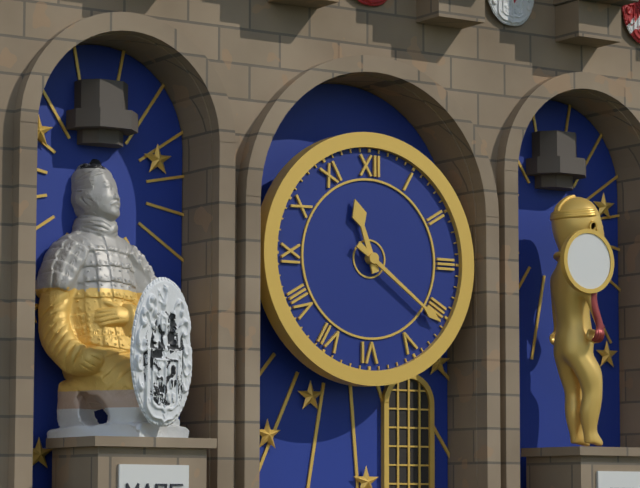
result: 11 h 21 min
